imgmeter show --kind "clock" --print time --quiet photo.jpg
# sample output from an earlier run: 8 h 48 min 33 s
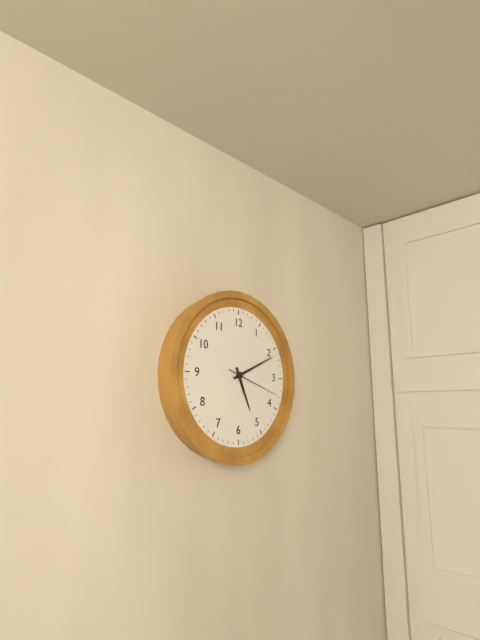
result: 5 h 11 min 18 s
